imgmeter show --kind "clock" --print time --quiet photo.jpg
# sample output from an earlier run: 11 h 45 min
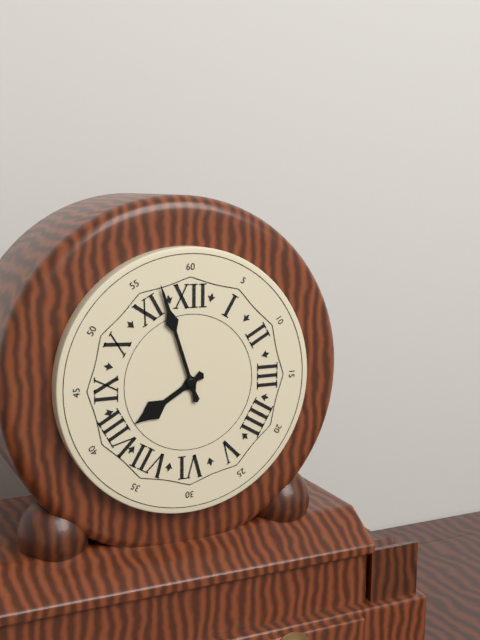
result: 7 h 57 min
